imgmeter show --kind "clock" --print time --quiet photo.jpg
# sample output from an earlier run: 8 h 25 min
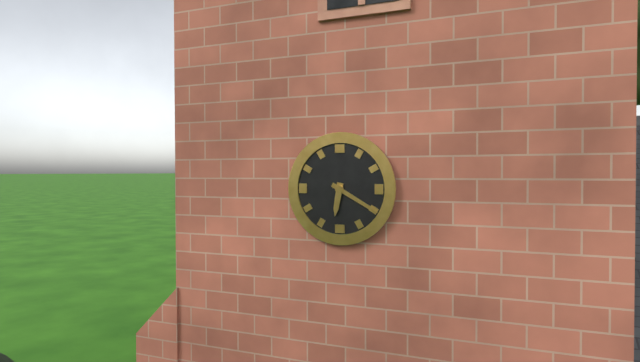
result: 6 h 20 min
